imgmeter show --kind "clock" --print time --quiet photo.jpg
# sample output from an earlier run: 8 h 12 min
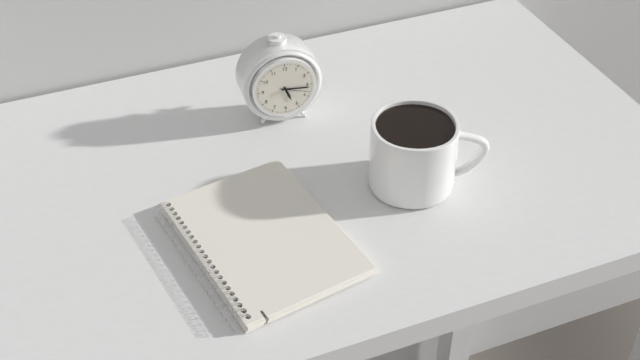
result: 5 h 16 min
